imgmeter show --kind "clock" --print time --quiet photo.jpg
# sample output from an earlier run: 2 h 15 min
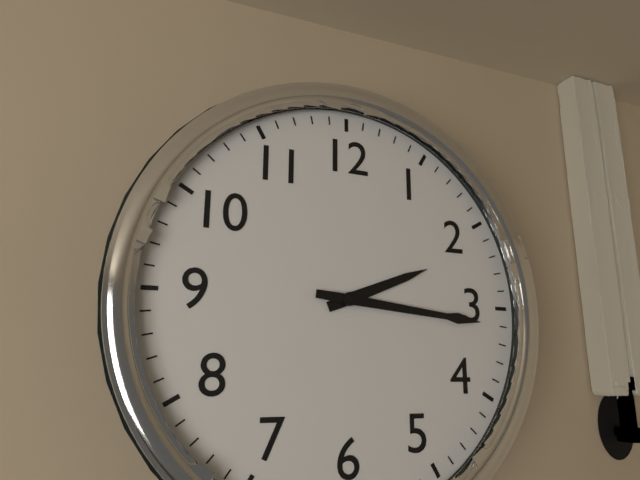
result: 2 h 16 min
